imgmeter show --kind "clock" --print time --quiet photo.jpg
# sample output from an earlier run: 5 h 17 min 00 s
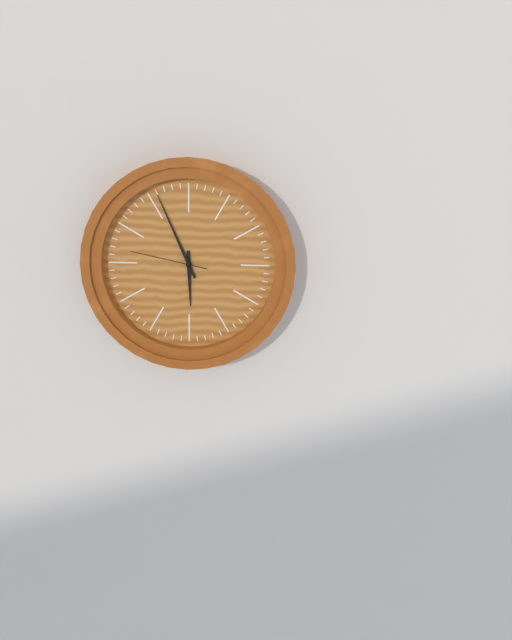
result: 5 h 56 min 47 s
